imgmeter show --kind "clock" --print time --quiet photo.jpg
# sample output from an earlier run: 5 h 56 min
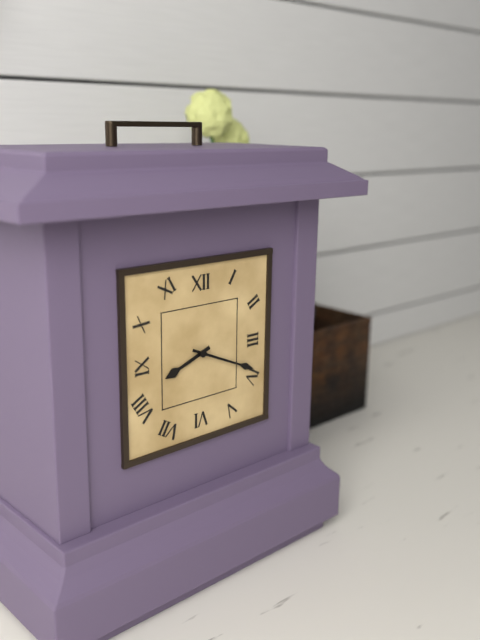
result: 8 h 19 min
